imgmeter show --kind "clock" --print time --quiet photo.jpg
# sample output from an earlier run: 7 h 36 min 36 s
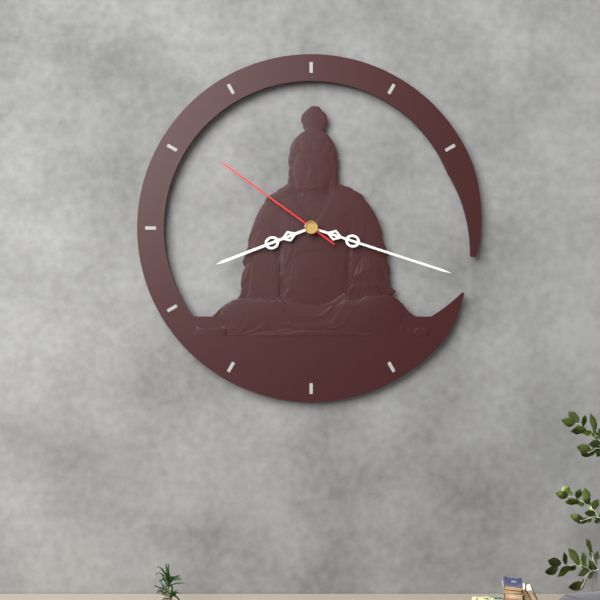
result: 8 h 18 min 51 s
